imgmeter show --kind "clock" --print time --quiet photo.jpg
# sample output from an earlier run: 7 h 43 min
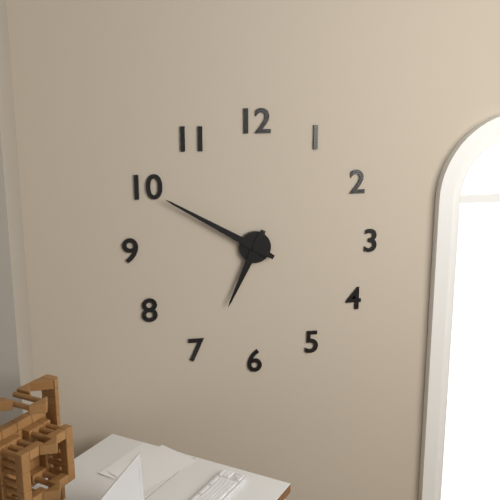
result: 6 h 50 min
